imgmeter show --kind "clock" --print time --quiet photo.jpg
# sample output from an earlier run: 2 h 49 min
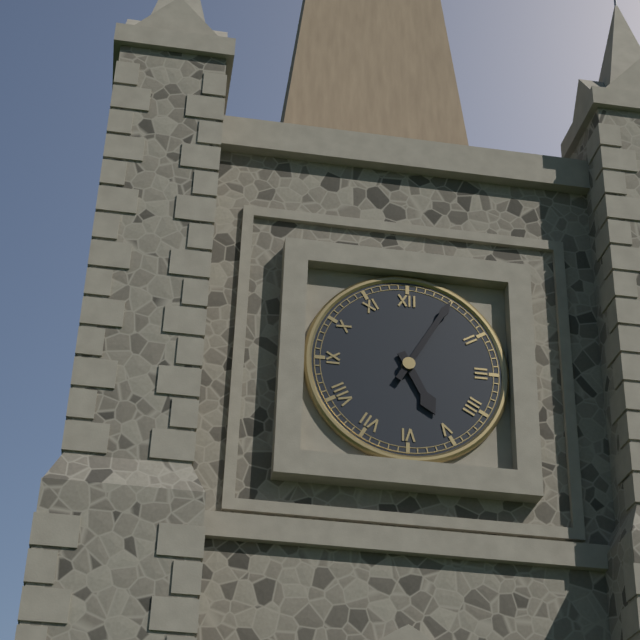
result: 5 h 05 min
